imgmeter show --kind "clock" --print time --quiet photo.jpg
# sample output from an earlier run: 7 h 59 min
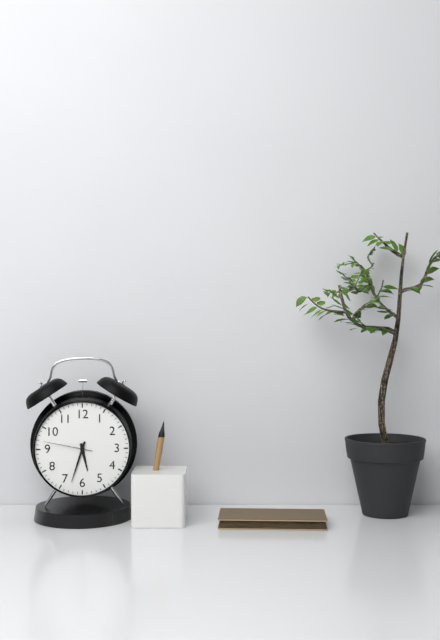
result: 5 h 33 min
